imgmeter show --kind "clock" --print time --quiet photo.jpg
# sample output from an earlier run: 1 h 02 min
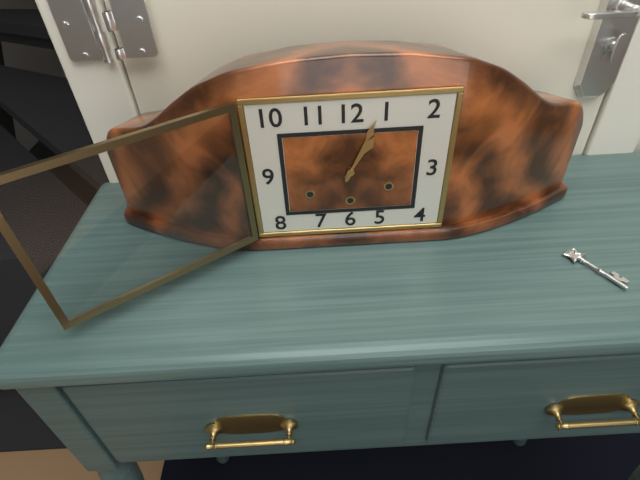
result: 1 h 04 min
